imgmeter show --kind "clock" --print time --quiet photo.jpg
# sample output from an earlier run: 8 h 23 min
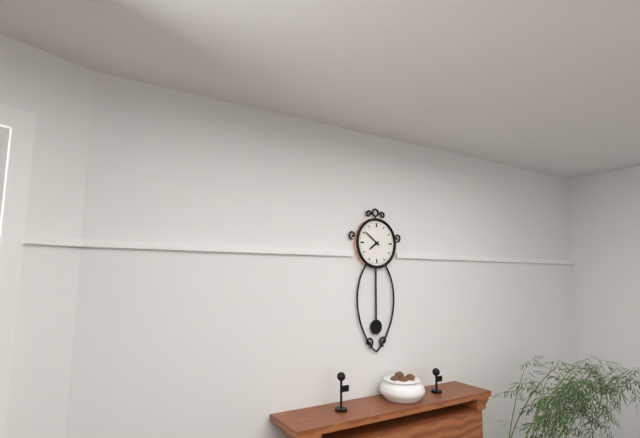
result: 7 h 51 min
